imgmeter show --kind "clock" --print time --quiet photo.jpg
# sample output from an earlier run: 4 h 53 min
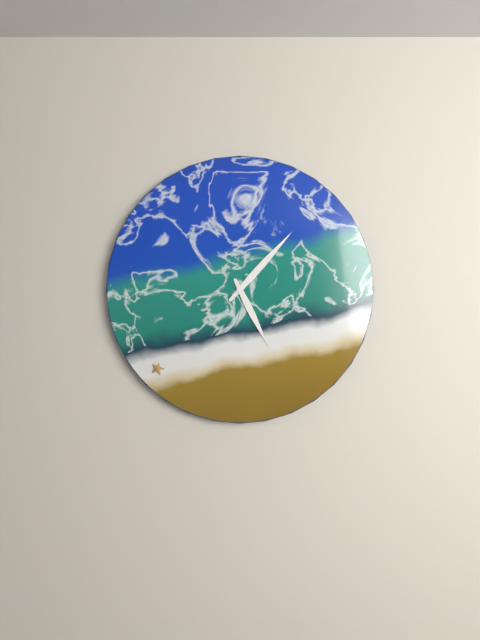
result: 5 h 07 min
